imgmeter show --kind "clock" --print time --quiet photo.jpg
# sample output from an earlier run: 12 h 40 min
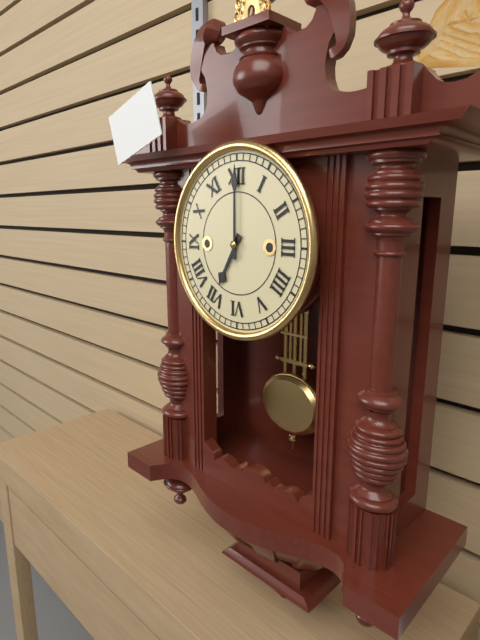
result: 7 h 00 min
